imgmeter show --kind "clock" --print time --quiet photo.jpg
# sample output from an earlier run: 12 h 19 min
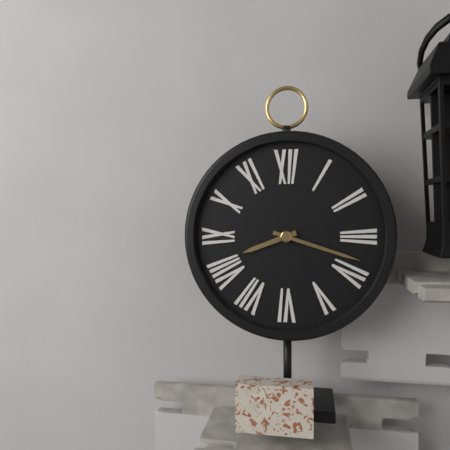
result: 8 h 18 min
